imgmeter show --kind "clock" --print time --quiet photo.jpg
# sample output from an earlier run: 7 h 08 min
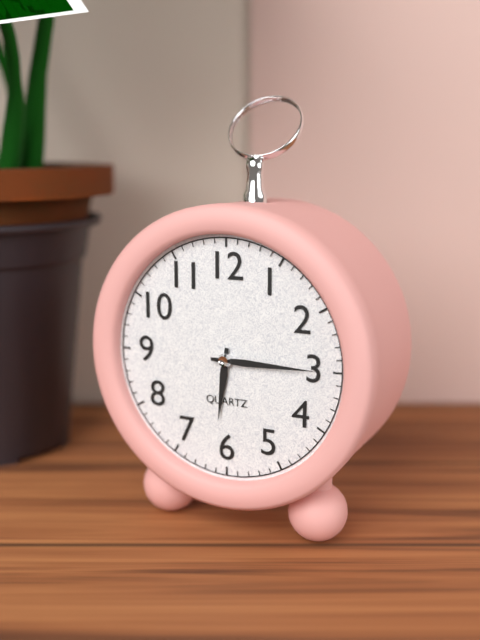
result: 6 h 15 min
